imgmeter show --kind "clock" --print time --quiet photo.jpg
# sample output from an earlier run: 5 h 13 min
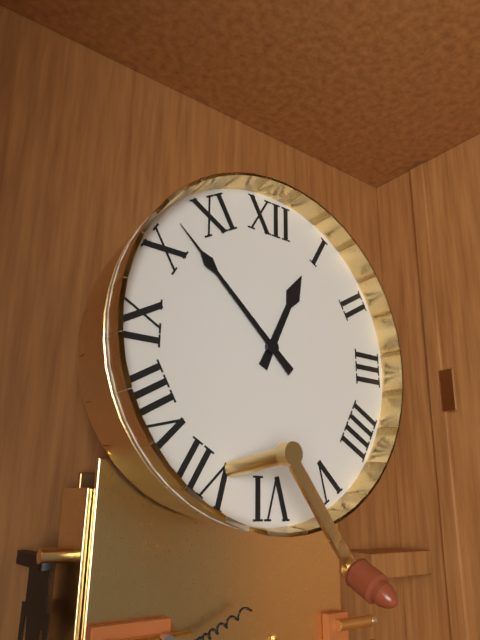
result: 12 h 52 min
